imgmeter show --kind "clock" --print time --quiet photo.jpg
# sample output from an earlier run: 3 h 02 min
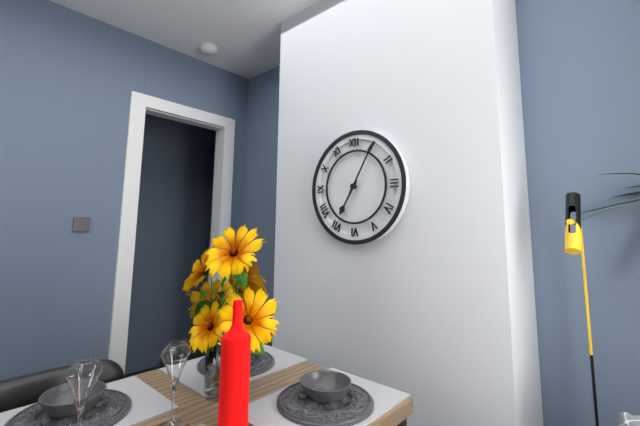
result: 7 h 05 min
